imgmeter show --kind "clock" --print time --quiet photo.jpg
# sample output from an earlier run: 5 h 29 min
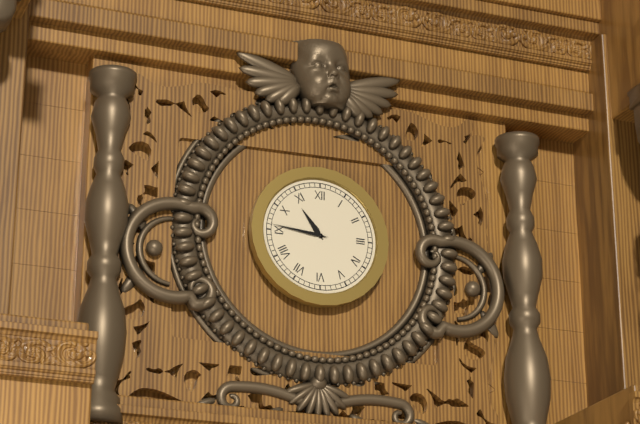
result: 10 h 46 min
